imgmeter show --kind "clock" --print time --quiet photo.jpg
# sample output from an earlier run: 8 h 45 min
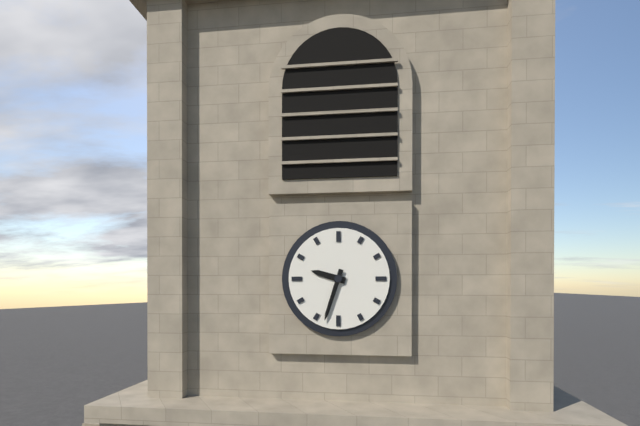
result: 9 h 33 min
